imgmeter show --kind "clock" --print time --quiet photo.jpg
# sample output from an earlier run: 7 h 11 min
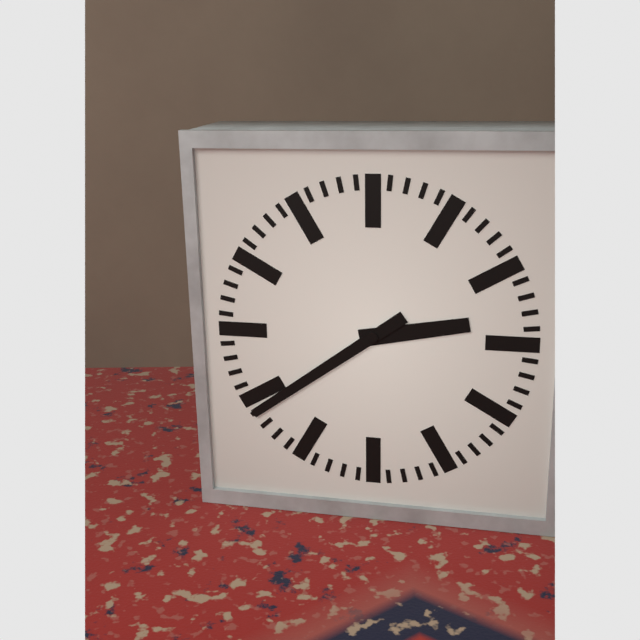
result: 2 h 39 min
